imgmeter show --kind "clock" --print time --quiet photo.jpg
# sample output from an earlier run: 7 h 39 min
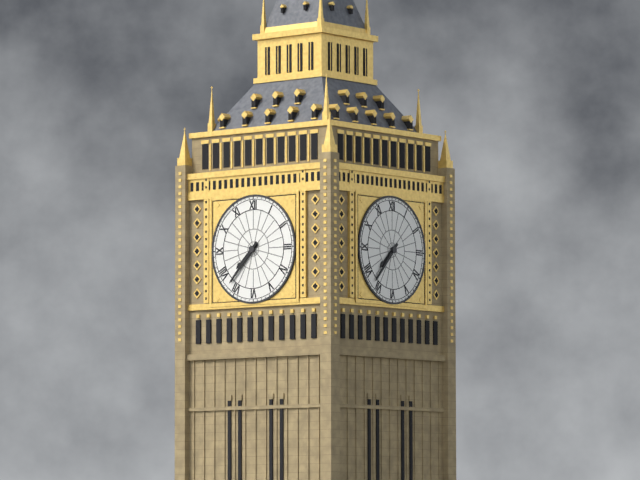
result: 7 h 37 min
